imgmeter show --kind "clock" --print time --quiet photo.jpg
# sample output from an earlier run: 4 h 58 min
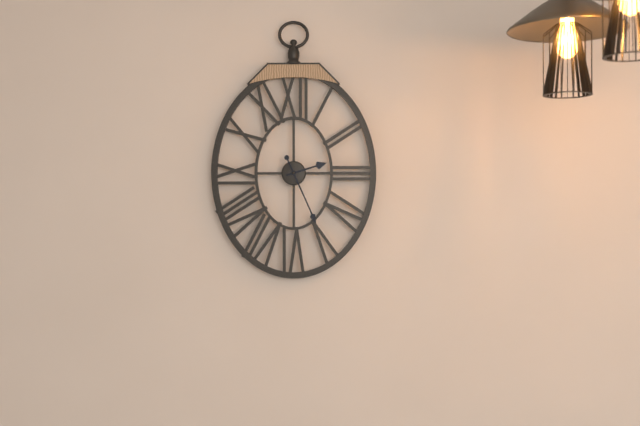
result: 2 h 26 min
